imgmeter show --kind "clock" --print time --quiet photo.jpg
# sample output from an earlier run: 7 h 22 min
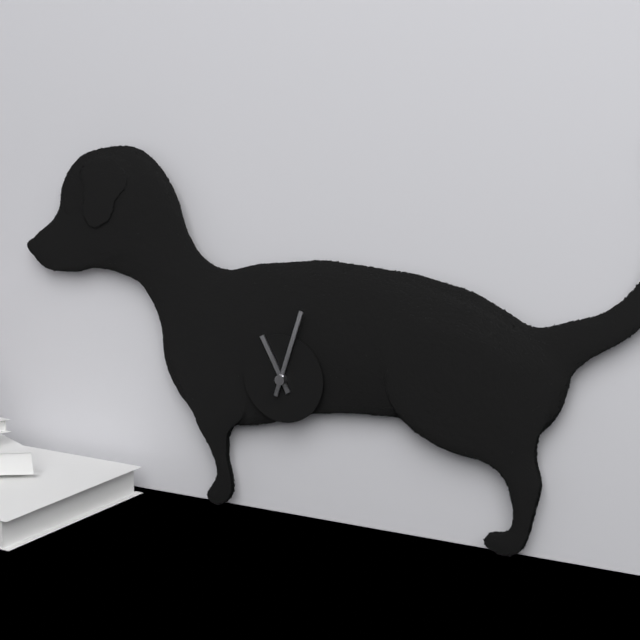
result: 11 h 03 min
